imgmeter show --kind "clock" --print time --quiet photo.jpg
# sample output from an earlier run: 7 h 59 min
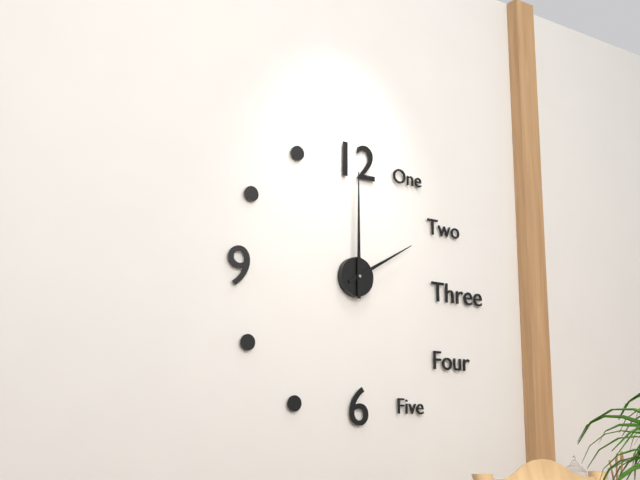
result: 2 h 00 min
